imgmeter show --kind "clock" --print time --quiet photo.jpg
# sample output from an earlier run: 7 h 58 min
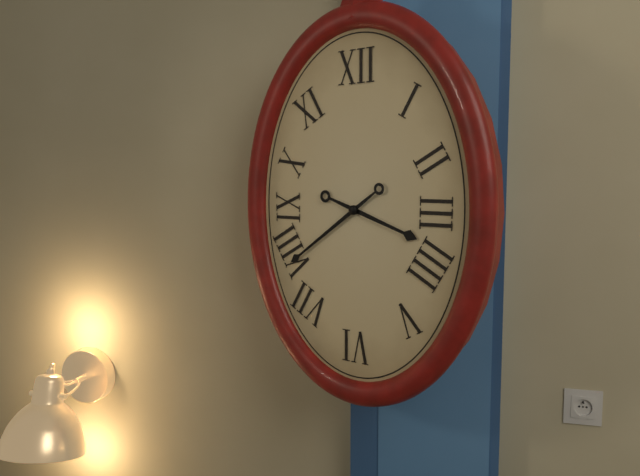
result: 3 h 39 min
